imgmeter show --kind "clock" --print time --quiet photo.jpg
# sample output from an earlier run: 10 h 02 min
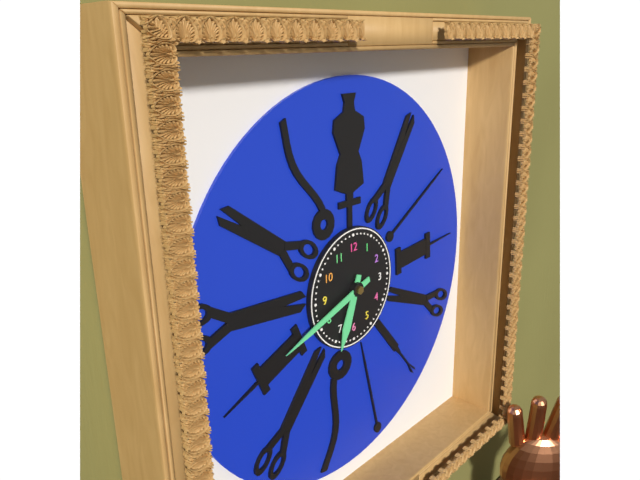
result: 6 h 42 min
